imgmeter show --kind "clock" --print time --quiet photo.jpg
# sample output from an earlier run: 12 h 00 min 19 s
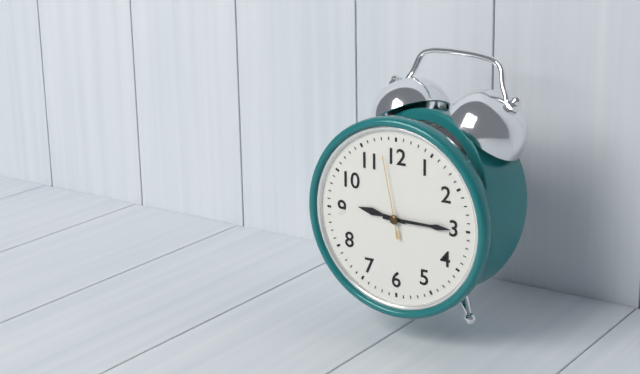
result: 9 h 15 min 58 s
